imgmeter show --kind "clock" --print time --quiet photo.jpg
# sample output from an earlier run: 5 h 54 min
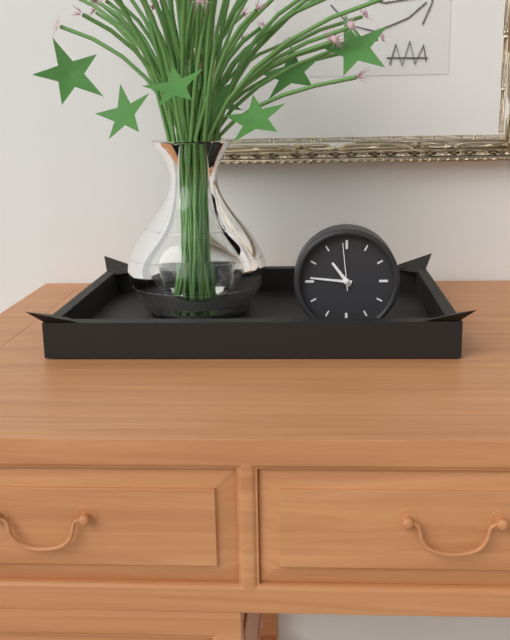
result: 10 h 46 min
